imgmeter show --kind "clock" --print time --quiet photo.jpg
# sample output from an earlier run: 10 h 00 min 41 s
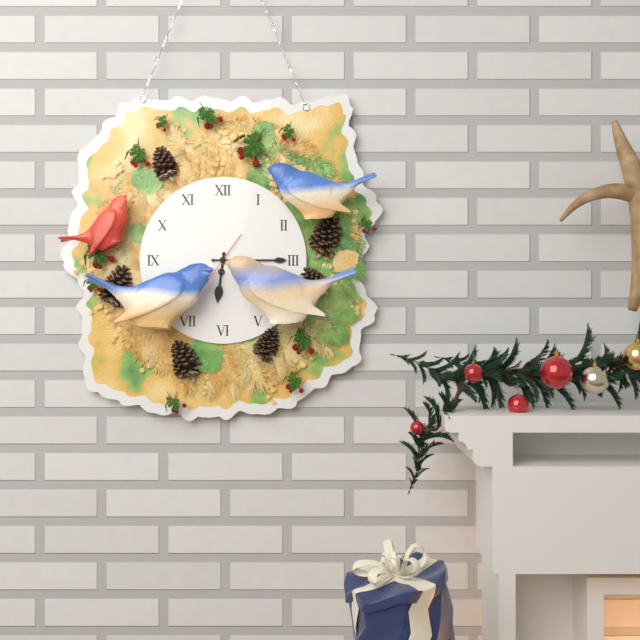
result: 6 h 15 min 36 s
